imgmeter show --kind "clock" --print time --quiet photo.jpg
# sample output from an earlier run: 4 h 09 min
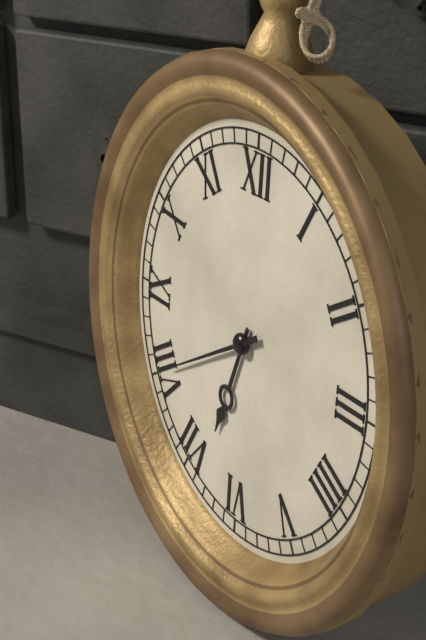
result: 6 h 40 min
